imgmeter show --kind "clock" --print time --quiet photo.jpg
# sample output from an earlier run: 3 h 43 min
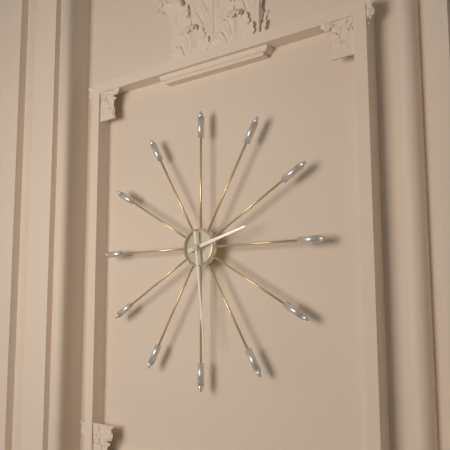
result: 2 h 29 min
